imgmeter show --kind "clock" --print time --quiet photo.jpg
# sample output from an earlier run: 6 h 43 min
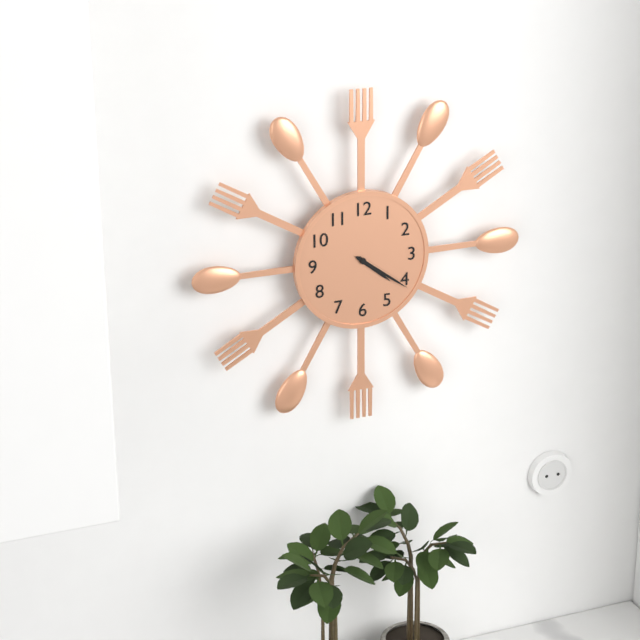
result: 4 h 21 min
